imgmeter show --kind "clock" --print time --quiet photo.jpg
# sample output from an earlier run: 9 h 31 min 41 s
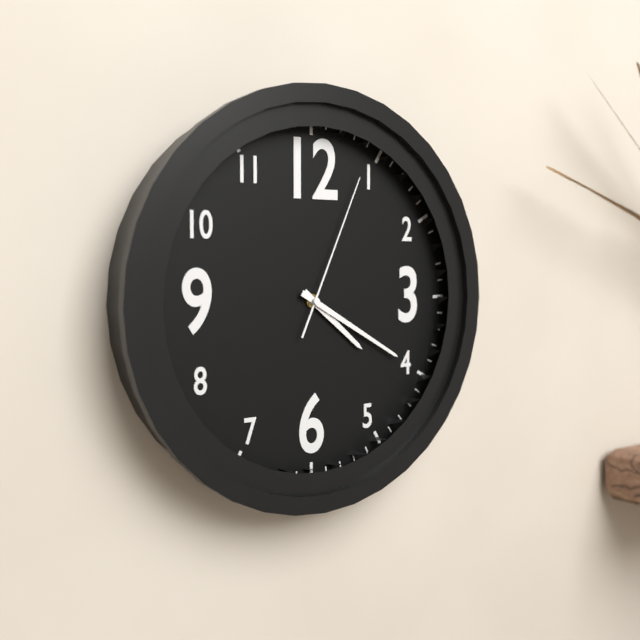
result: 4 h 20 min 04 s
